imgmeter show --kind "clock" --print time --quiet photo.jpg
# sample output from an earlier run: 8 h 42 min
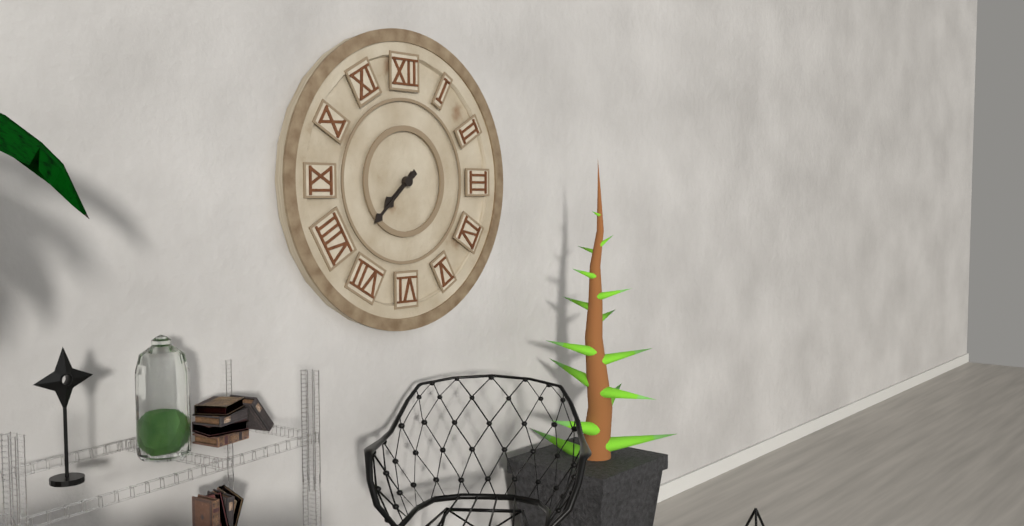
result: 7 h 38 min
